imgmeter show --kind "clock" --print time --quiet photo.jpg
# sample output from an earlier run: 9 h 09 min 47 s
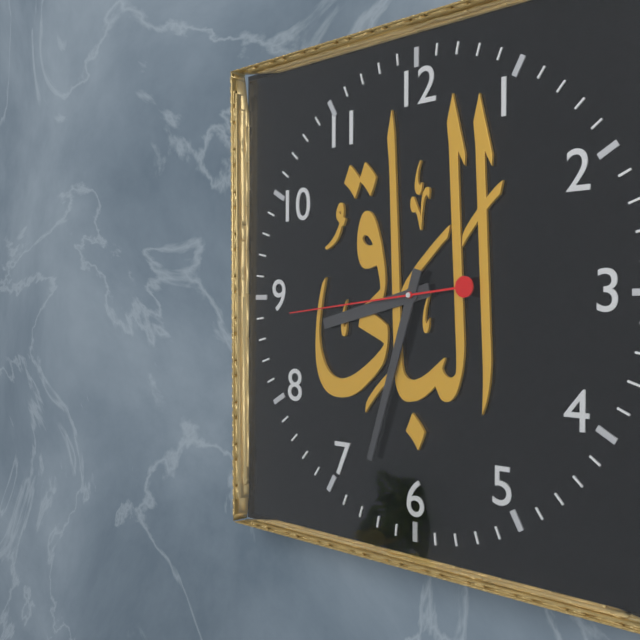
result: 8 h 33 min 44 s
